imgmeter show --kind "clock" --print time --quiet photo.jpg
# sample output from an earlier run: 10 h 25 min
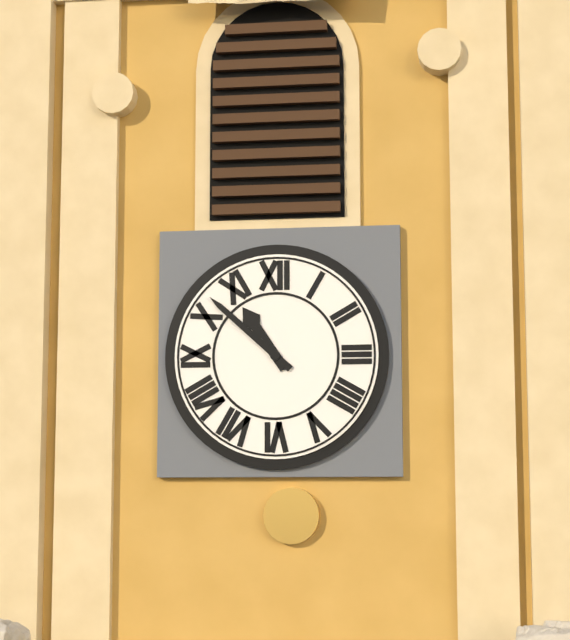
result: 10 h 52 min
